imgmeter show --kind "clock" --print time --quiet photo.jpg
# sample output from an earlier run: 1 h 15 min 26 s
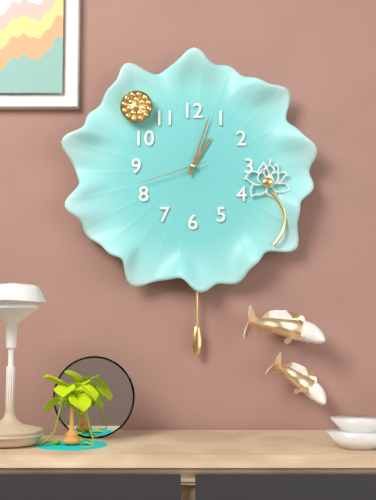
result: 1 h 03 min 42 s
